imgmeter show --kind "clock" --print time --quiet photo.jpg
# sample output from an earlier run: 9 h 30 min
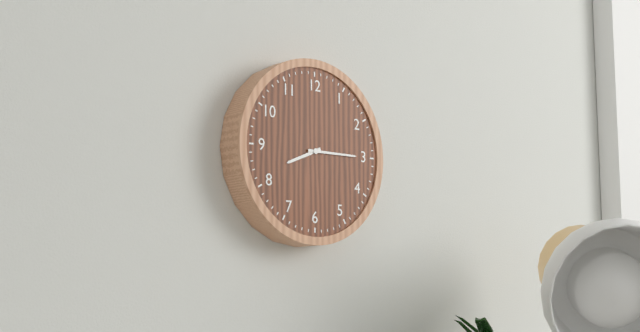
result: 8 h 15 min
